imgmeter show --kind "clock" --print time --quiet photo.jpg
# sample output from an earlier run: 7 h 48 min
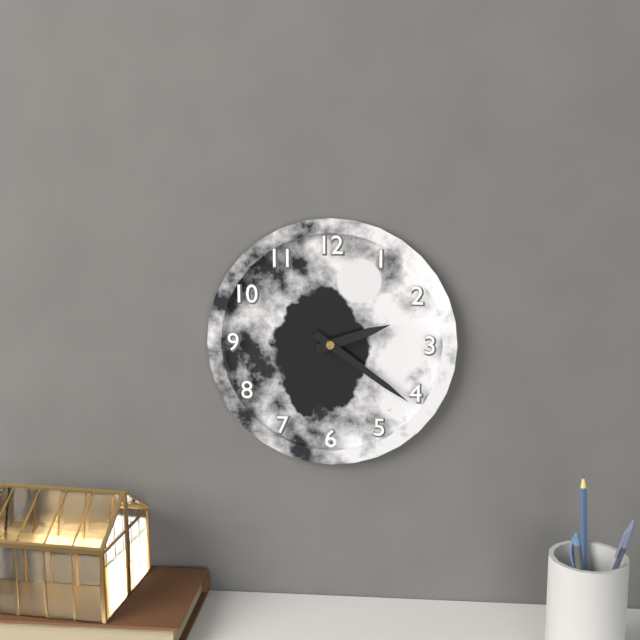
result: 2 h 21 min
